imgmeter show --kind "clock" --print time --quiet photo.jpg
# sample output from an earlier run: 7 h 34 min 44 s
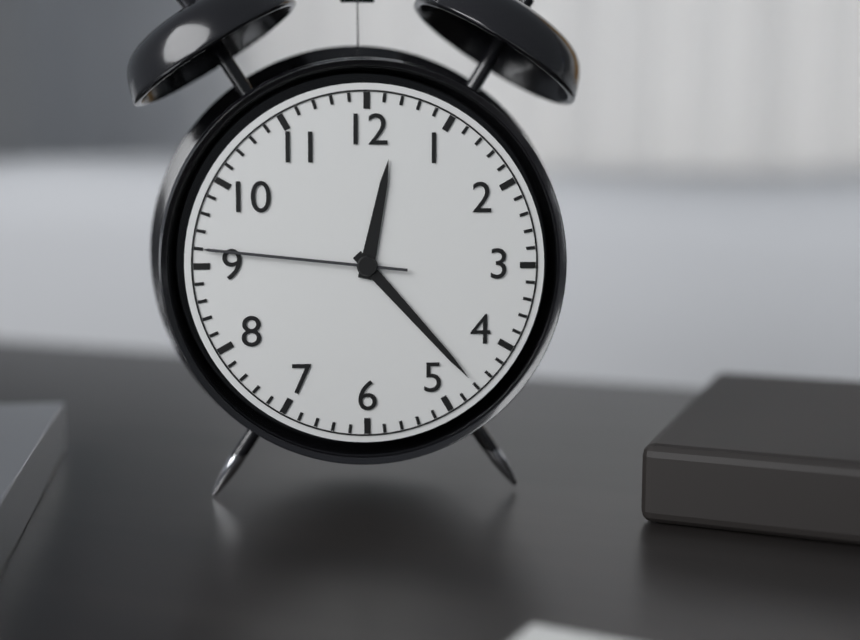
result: 12 h 23 min 46 s
